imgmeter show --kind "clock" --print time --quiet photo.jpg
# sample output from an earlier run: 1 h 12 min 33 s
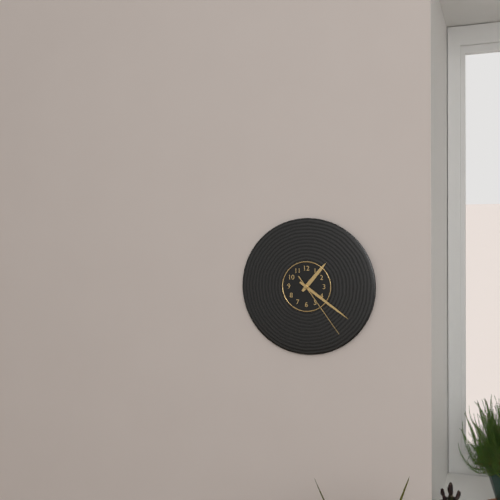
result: 1 h 21 min 24 s
